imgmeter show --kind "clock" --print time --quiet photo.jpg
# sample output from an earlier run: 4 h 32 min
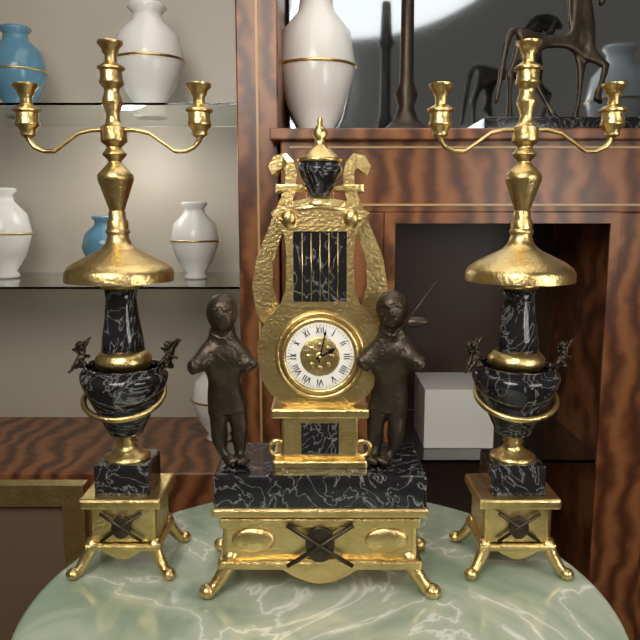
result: 2 h 02 min
